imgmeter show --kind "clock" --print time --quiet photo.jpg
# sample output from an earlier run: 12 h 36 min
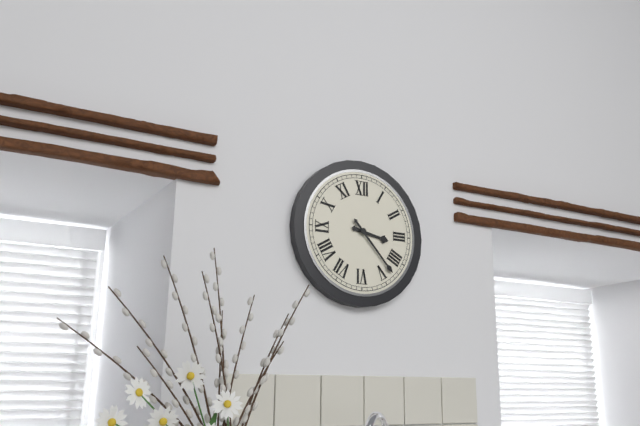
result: 3 h 23 min
